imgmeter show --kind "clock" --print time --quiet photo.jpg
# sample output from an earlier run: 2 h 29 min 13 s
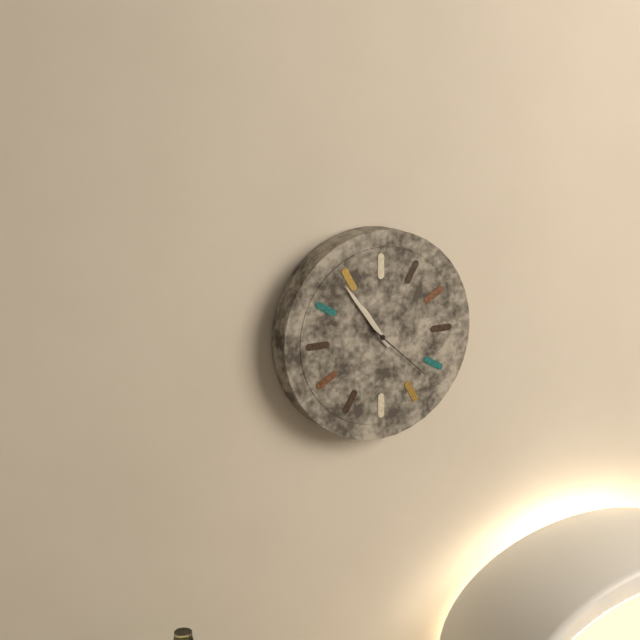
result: 10 h 54 min 22 s
